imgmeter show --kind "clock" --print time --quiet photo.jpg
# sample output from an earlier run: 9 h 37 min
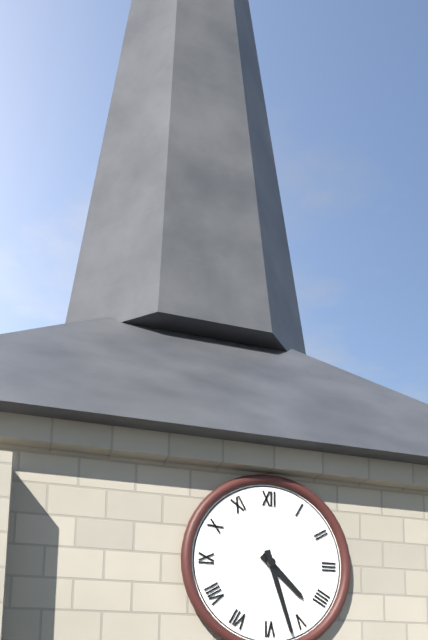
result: 4 h 27 min
